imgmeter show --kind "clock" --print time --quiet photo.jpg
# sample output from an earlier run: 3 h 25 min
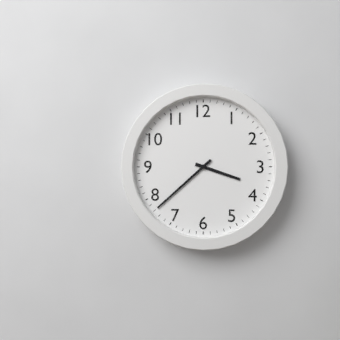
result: 3 h 38 min
